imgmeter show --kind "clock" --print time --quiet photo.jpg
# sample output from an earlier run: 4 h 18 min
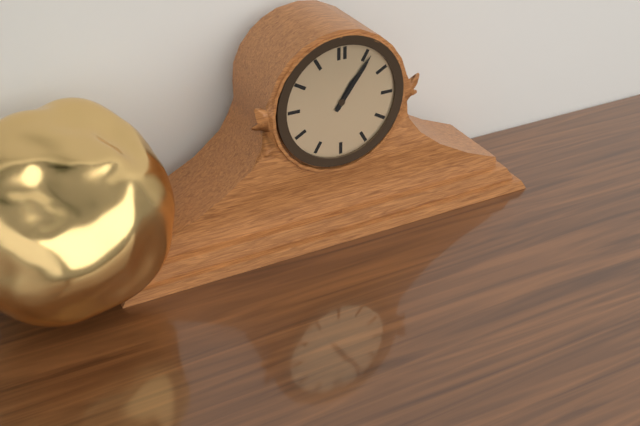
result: 1 h 06 min
